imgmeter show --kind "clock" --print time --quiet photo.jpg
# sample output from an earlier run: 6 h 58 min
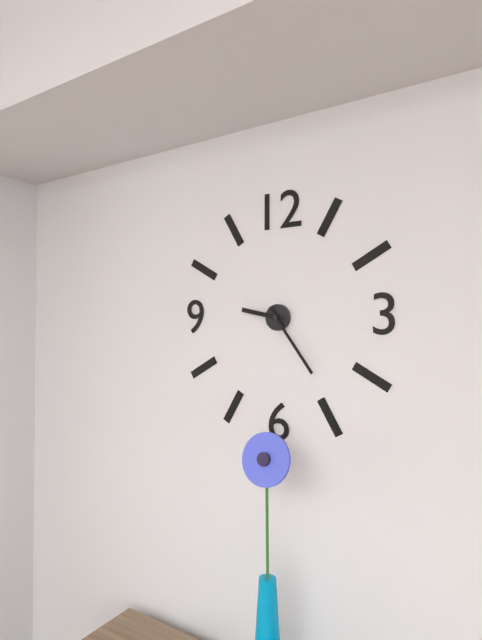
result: 9 h 24 min
